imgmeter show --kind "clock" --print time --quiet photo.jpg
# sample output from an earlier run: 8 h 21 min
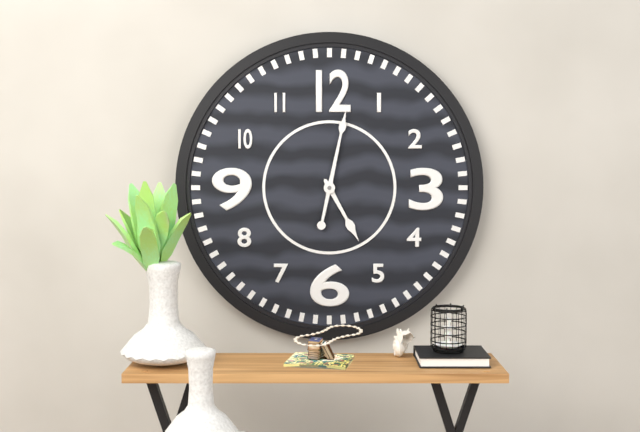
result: 5 h 02 min
